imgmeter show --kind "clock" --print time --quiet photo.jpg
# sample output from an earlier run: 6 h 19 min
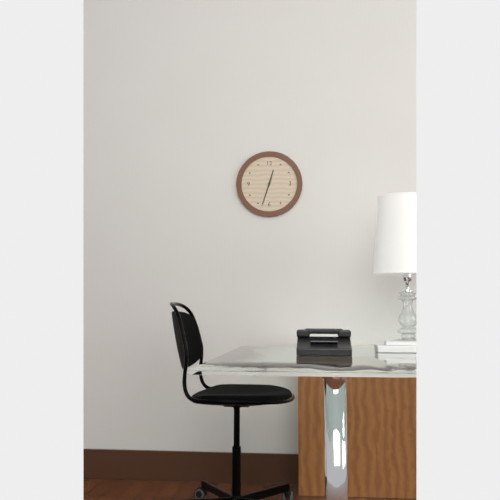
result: 12 h 33 min
